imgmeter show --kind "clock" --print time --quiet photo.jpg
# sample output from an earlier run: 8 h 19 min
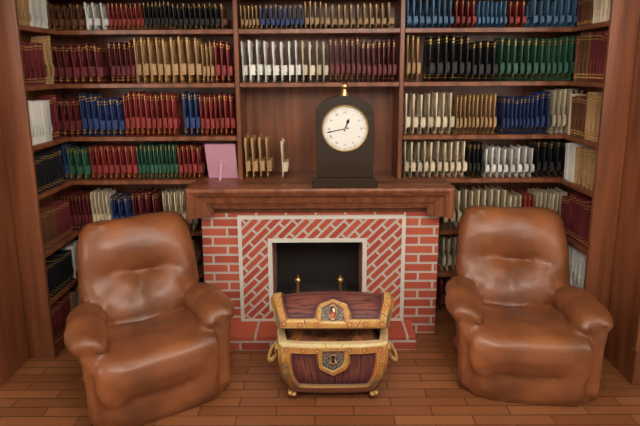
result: 12 h 43 min
